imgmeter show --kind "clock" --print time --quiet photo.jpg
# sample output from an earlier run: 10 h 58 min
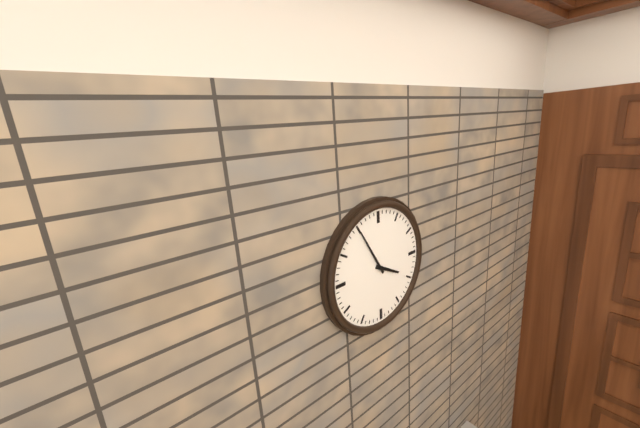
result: 3 h 55 min
